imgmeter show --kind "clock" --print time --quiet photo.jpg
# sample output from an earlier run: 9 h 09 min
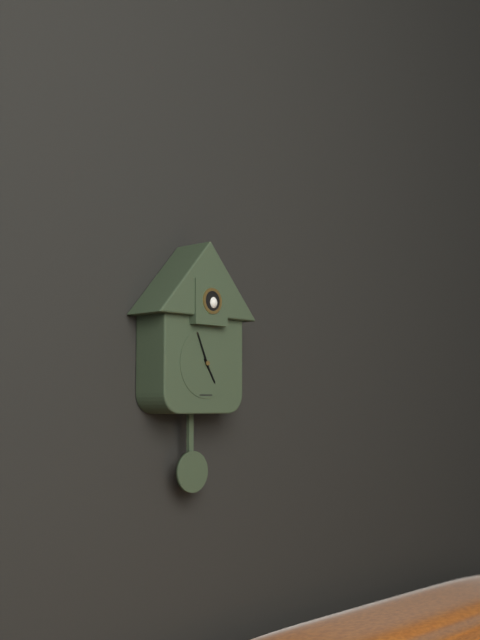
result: 4 h 56 min
